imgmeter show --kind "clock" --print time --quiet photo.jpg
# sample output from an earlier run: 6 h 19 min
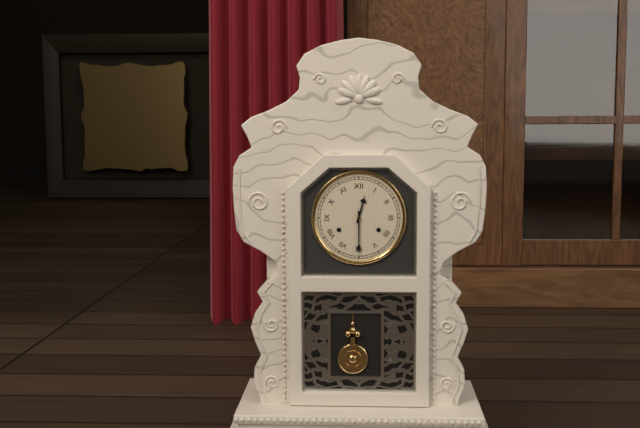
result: 12 h 30 min
